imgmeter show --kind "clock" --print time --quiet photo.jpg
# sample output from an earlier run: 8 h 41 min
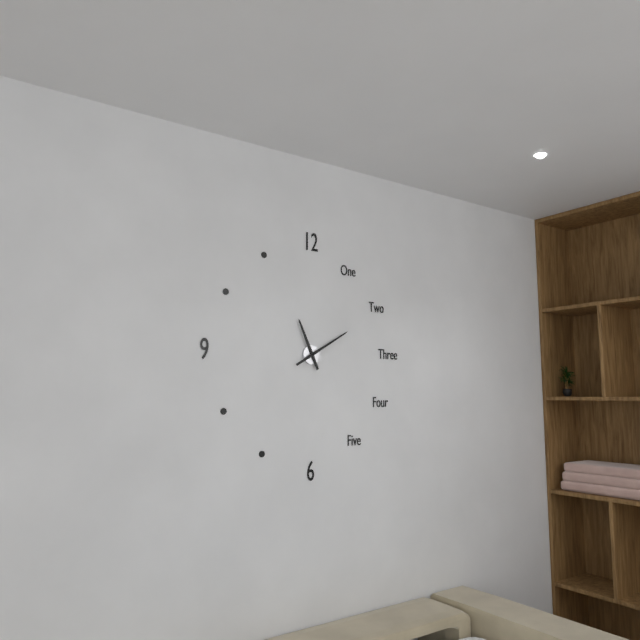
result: 11 h 10 min
